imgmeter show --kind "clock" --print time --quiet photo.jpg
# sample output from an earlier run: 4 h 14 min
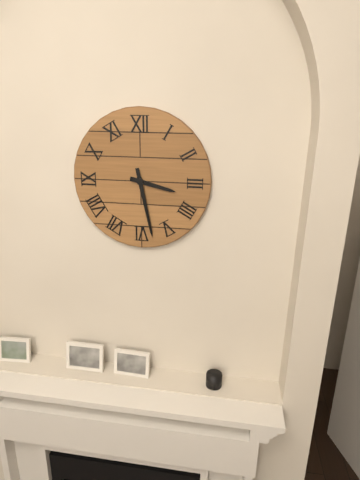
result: 3 h 28 min
